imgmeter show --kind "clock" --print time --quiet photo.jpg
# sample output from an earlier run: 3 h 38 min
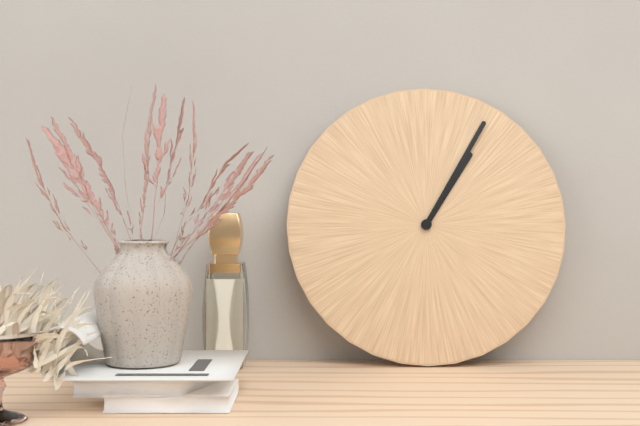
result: 1 h 05 min
